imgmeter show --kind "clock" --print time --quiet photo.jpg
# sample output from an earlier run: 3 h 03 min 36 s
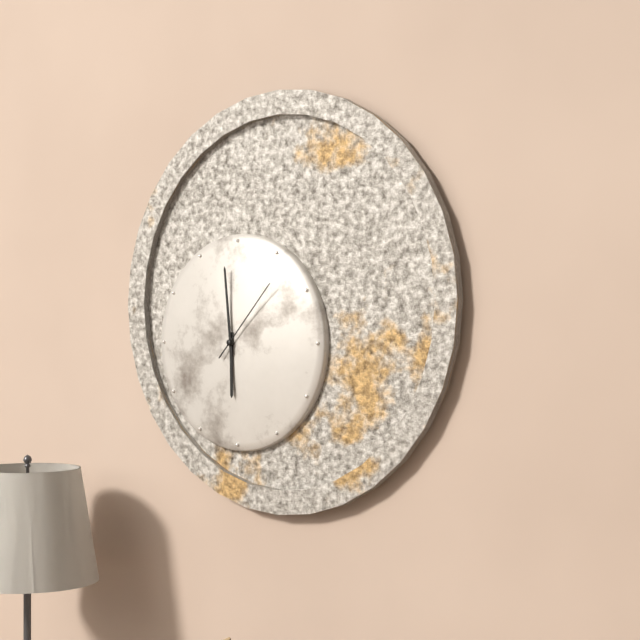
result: 5 h 59 min 07 s
